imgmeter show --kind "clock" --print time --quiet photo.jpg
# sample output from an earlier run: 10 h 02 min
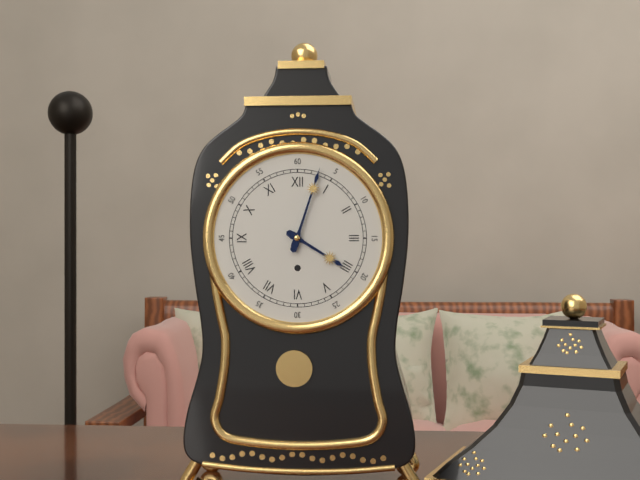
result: 4 h 03 min
